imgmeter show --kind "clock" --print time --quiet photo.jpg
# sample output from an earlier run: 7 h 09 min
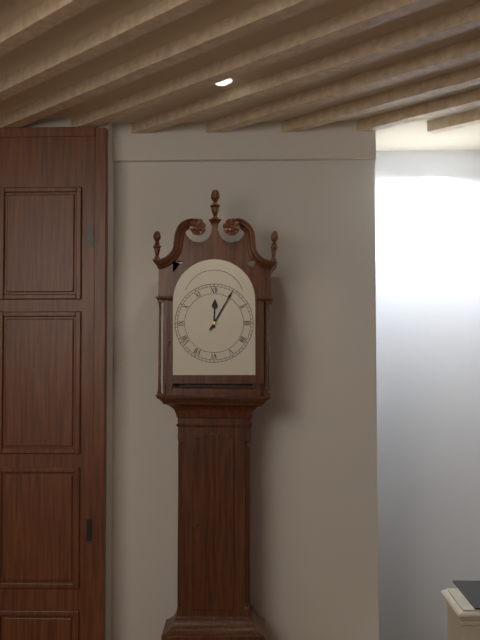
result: 12 h 05 min
